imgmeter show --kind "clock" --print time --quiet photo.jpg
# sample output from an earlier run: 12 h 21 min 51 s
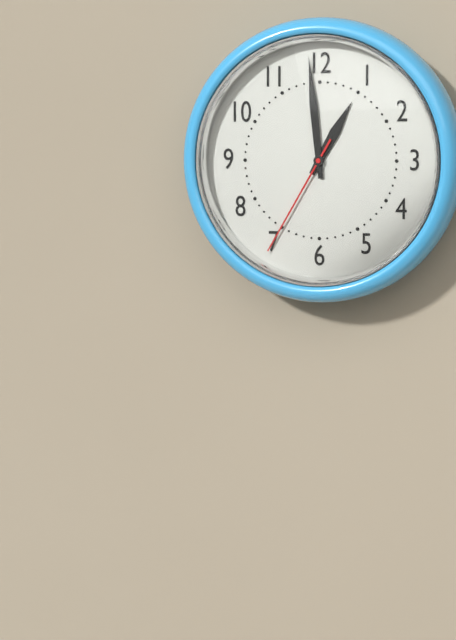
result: 12 h 59 min 35 s
